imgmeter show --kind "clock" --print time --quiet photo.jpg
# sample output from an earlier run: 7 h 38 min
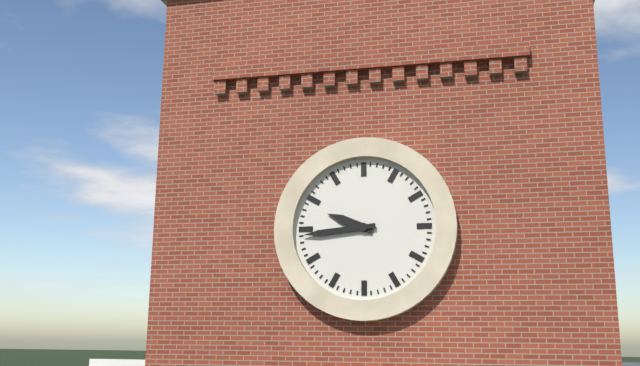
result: 9 h 44 min
